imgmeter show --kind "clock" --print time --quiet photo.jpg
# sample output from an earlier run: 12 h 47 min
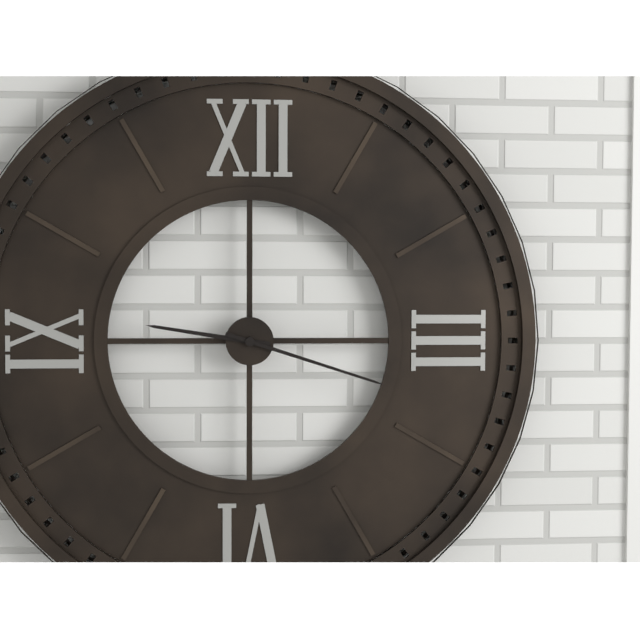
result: 9 h 18 min
